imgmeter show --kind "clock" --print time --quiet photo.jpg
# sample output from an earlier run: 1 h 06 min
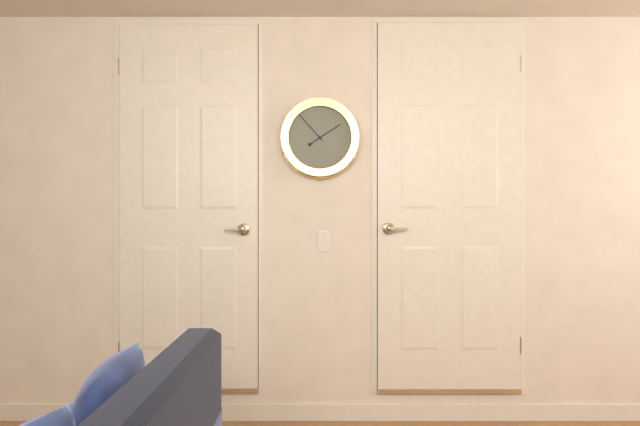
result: 1 h 53 min
